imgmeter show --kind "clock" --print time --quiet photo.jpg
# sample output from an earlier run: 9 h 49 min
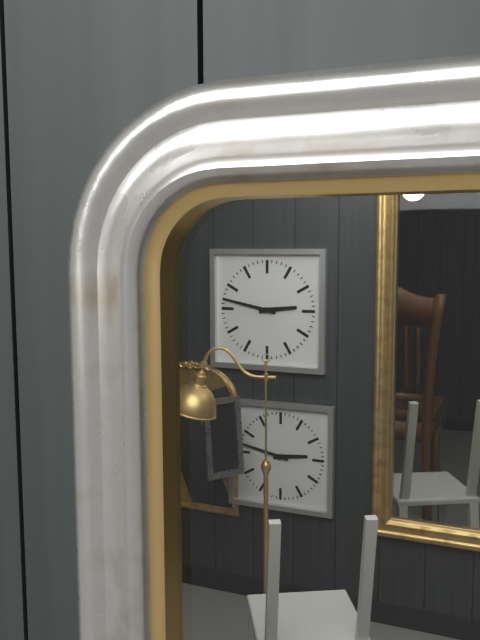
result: 2 h 47 min
